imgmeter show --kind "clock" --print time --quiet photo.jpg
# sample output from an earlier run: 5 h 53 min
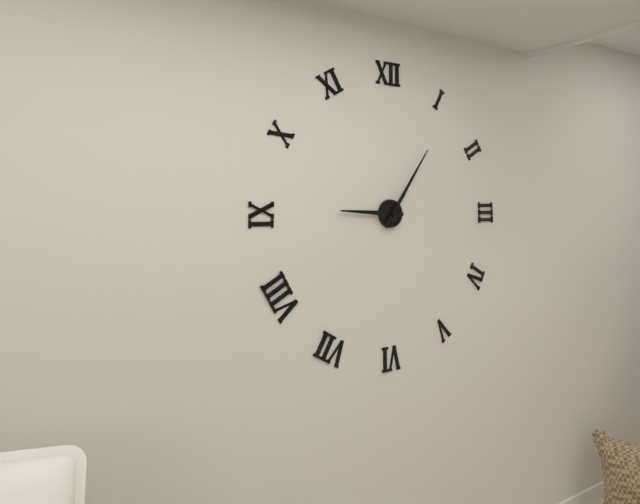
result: 9 h 06 min
